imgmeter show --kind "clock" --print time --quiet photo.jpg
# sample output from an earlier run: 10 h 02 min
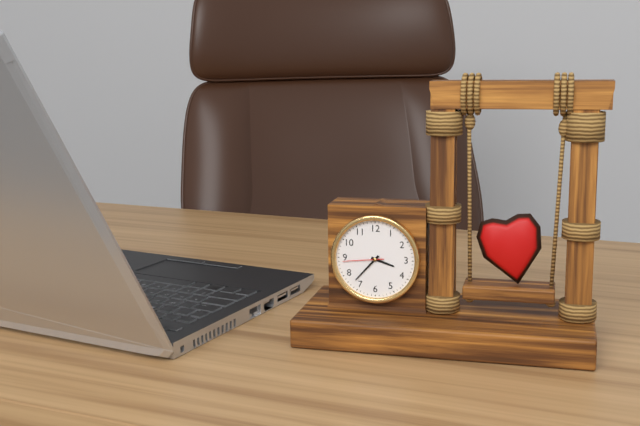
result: 3 h 37 min
